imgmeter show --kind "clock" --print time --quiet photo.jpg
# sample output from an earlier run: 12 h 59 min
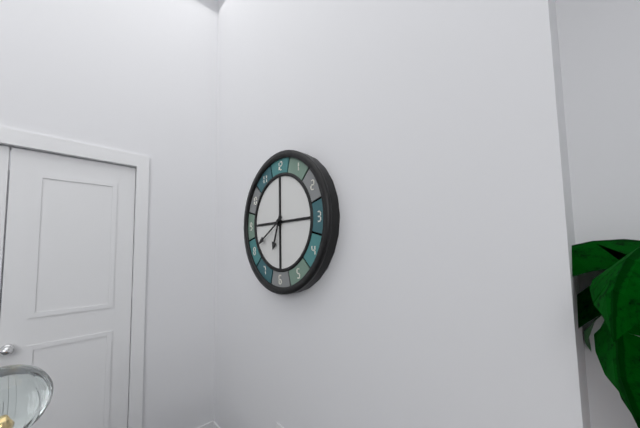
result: 6 h 40 min
